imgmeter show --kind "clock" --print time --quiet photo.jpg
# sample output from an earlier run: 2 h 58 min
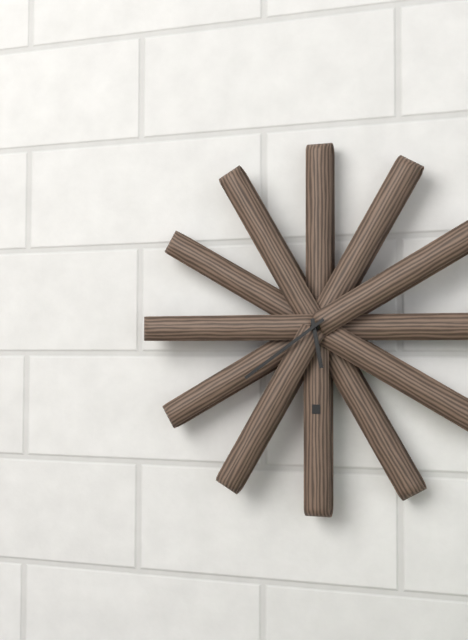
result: 5 h 39 min
